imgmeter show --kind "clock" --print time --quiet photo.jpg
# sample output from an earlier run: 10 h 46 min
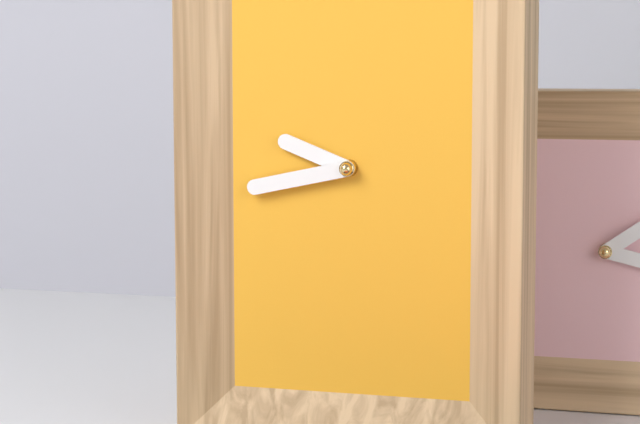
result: 9 h 43 min
